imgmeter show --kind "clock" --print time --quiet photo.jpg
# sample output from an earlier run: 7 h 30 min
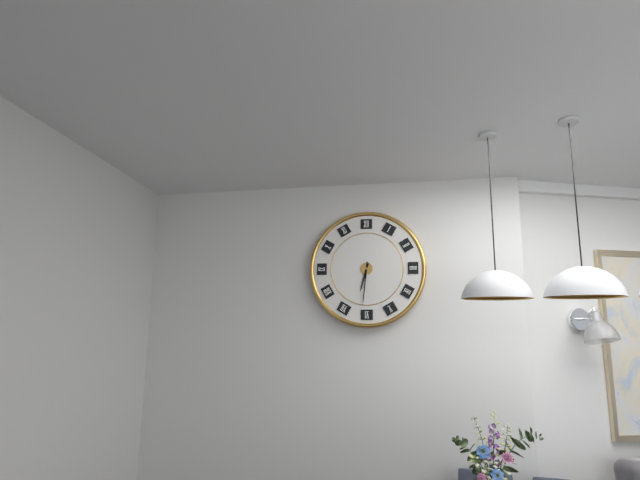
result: 6 h 31 min
